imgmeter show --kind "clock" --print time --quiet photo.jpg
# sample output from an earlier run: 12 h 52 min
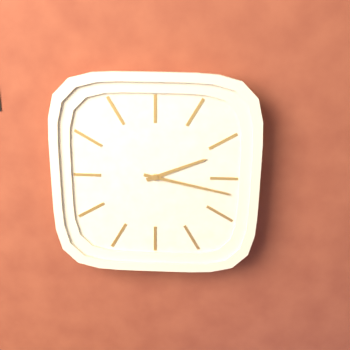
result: 2 h 17 min
